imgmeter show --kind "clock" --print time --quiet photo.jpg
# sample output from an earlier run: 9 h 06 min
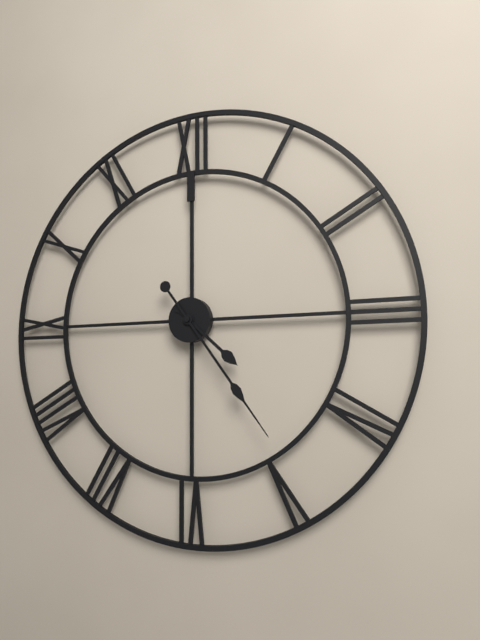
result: 4 h 24 min
